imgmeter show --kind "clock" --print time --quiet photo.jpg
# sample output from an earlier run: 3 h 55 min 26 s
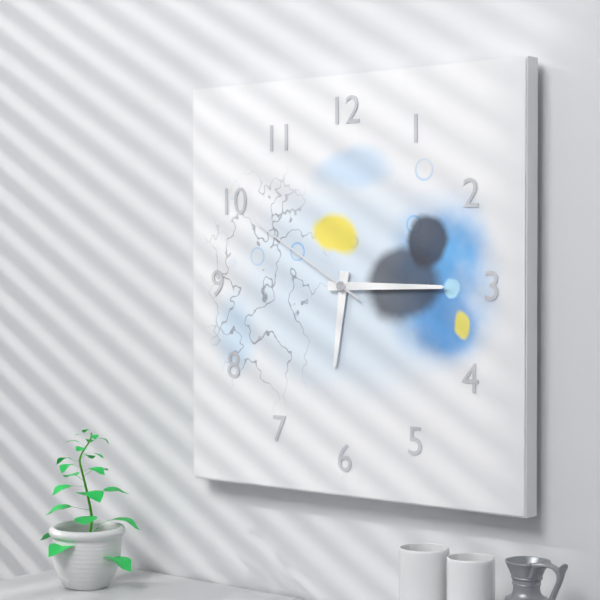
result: 6 h 15 min 50 s
